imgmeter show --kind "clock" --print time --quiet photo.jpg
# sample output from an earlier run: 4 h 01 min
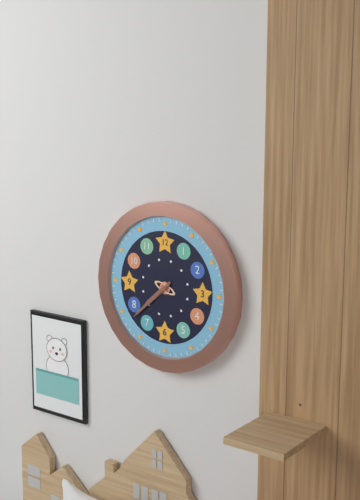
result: 7 h 38 min
